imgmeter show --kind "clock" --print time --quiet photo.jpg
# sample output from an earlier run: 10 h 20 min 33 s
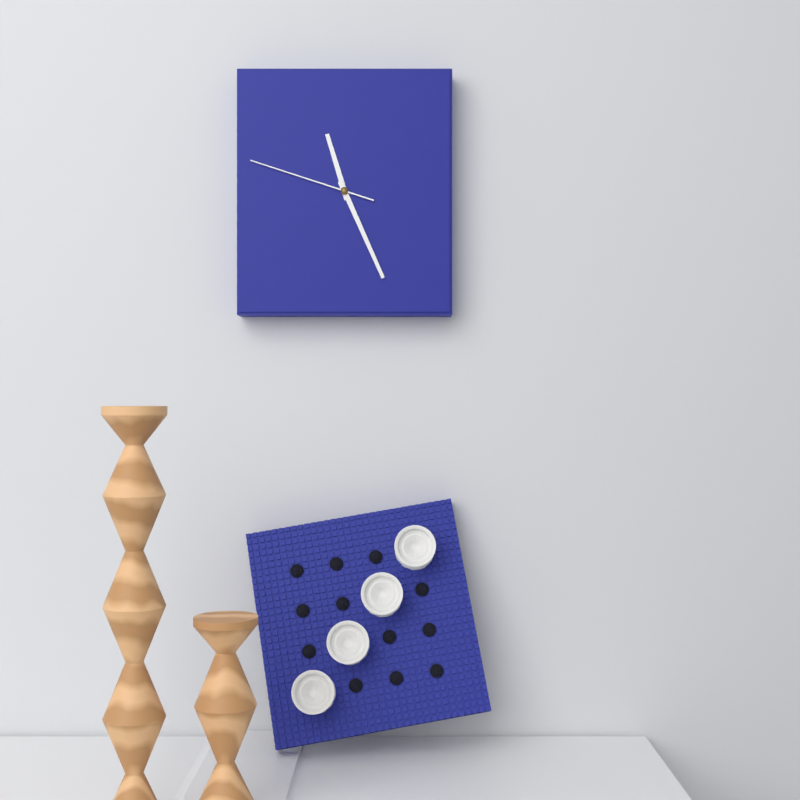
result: 11 h 26 min 48 s
